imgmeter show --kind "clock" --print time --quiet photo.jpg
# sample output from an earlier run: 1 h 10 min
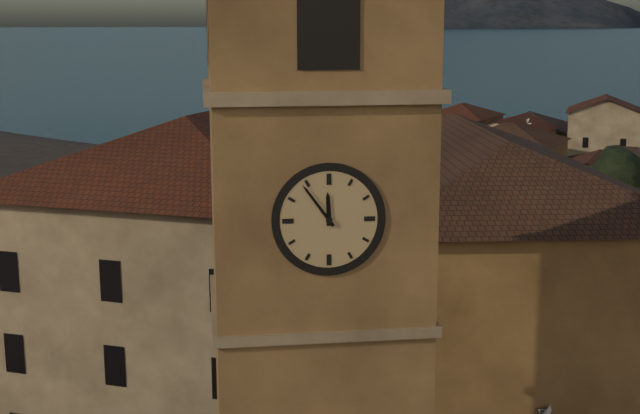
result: 11 h 54 min
